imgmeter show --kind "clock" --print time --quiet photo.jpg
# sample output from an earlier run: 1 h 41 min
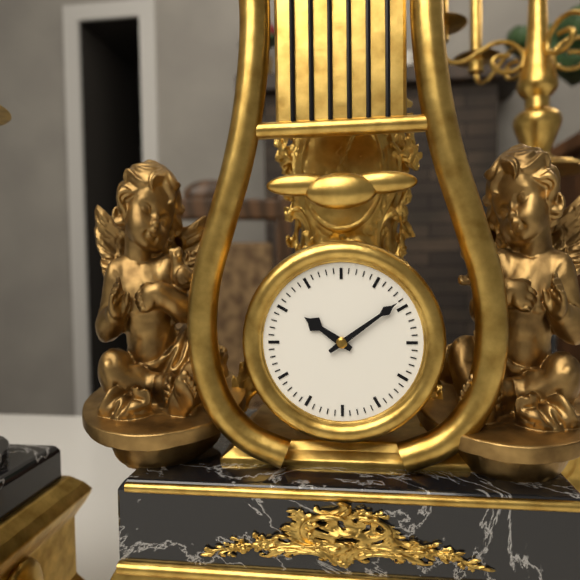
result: 10 h 09 min
